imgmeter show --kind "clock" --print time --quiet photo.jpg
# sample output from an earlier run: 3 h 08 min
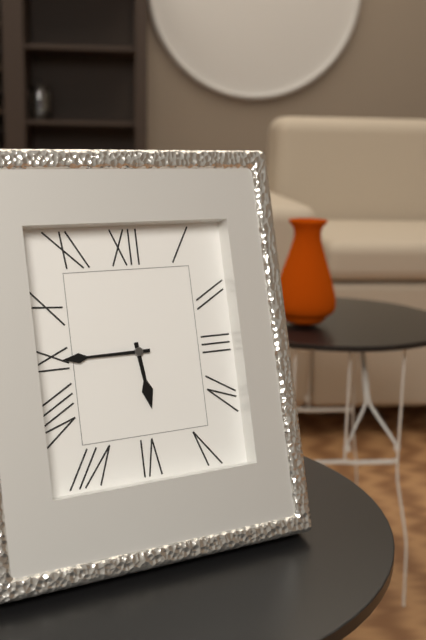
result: 5 h 45 min
